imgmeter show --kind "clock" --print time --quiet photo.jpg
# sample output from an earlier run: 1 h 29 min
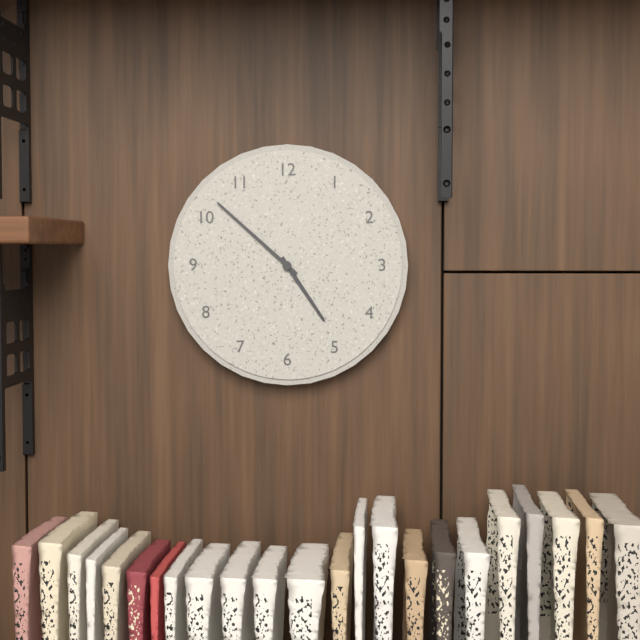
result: 4 h 52 min
